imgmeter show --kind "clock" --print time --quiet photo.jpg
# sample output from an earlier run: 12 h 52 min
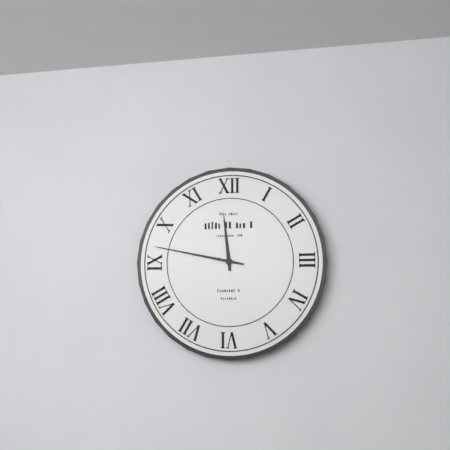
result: 11 h 47 min
